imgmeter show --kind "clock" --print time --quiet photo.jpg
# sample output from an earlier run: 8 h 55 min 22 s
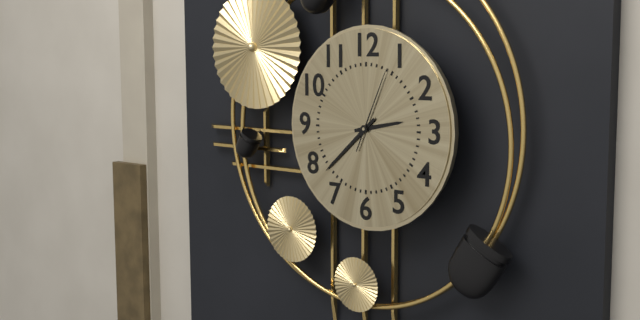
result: 2 h 38 min 04 s
